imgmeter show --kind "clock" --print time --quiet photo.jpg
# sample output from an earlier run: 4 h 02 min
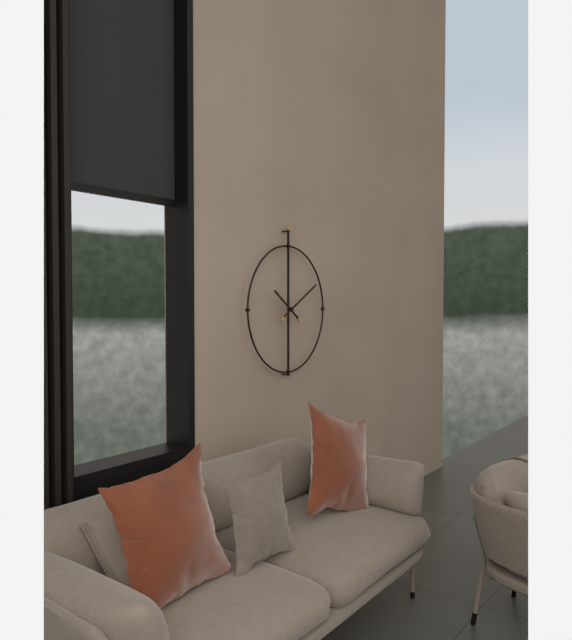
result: 10 h 10 min
